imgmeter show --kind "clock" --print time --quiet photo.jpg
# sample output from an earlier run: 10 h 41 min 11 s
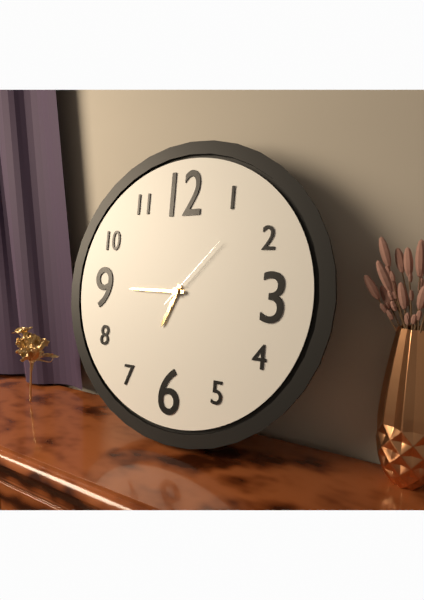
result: 6 h 45 min 07 s
